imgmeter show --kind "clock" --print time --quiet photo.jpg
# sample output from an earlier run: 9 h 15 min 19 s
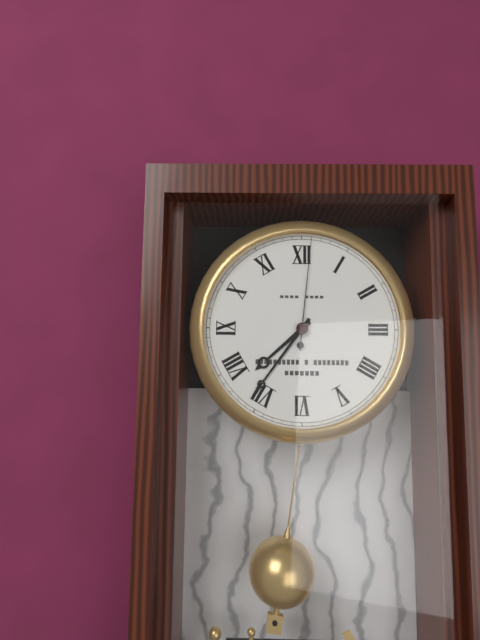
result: 7 h 36 min 01 s
